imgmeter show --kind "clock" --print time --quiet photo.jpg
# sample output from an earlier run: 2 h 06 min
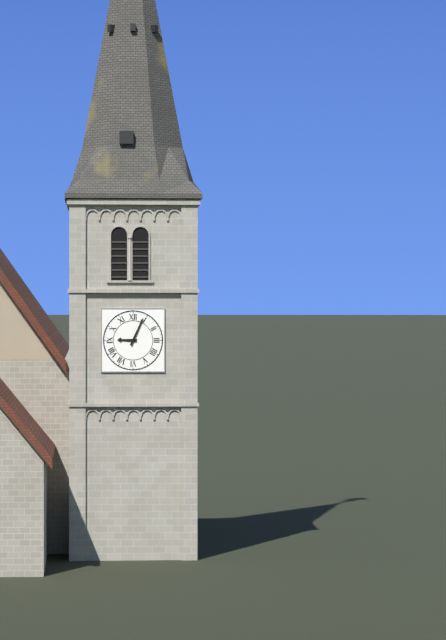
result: 9 h 04 min
